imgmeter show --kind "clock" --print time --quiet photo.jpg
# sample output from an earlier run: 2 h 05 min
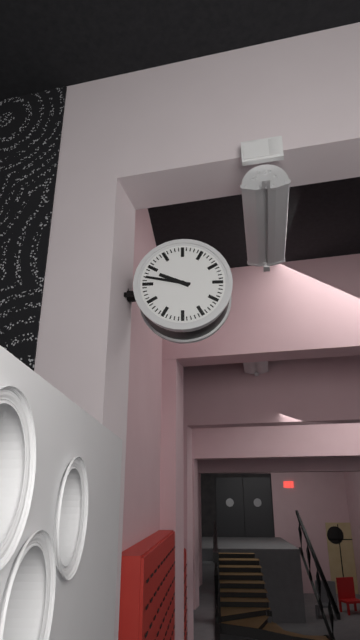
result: 9 h 47 min
